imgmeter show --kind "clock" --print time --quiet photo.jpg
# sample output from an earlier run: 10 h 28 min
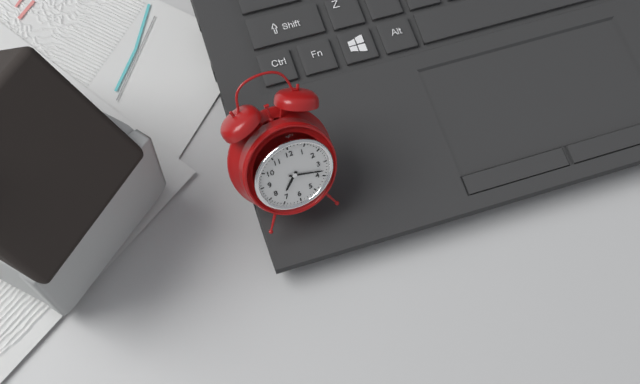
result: 7 h 18 min
